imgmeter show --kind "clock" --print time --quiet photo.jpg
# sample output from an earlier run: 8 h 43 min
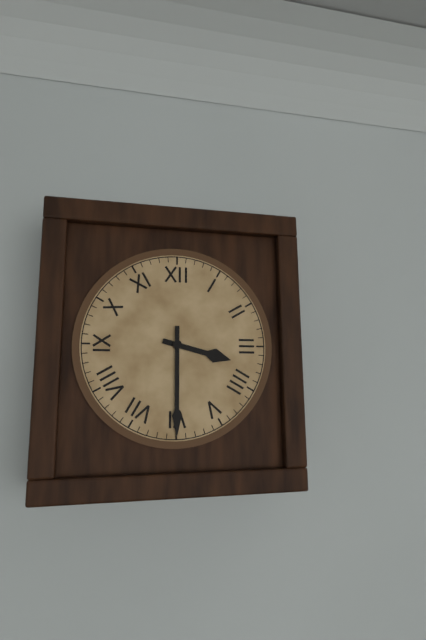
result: 3 h 30 min
